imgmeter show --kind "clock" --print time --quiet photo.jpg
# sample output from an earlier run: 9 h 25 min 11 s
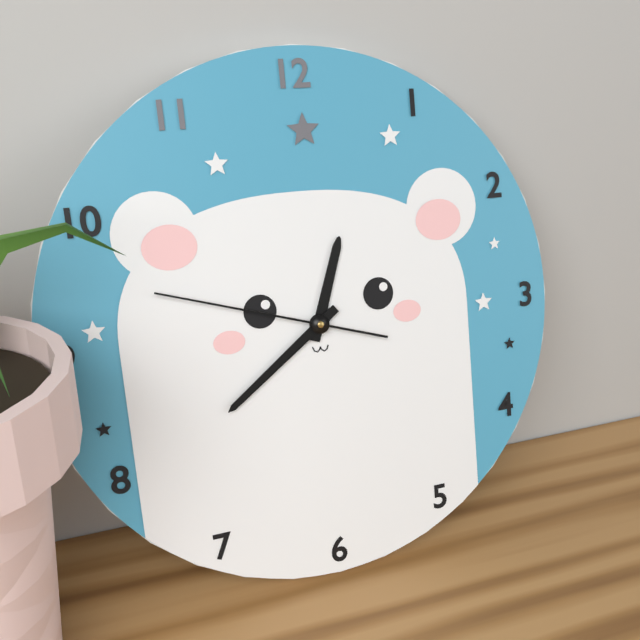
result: 12 h 39 min 48 s
